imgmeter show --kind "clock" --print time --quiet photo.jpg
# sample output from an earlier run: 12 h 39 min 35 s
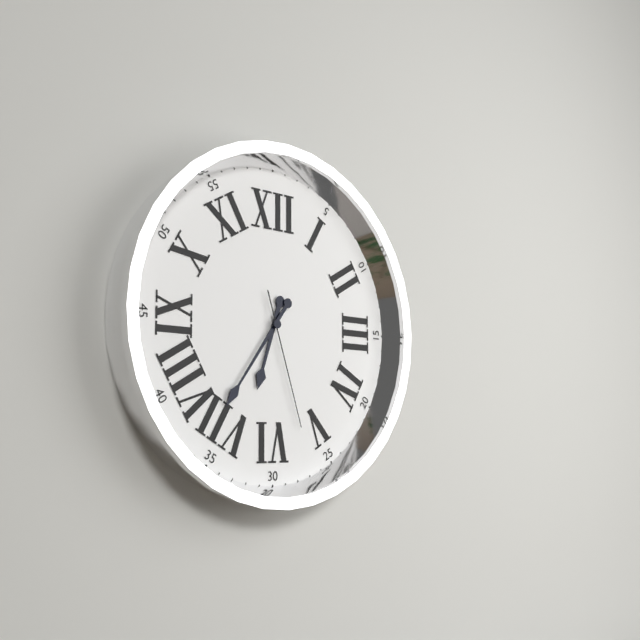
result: 6 h 36 min 27 s
